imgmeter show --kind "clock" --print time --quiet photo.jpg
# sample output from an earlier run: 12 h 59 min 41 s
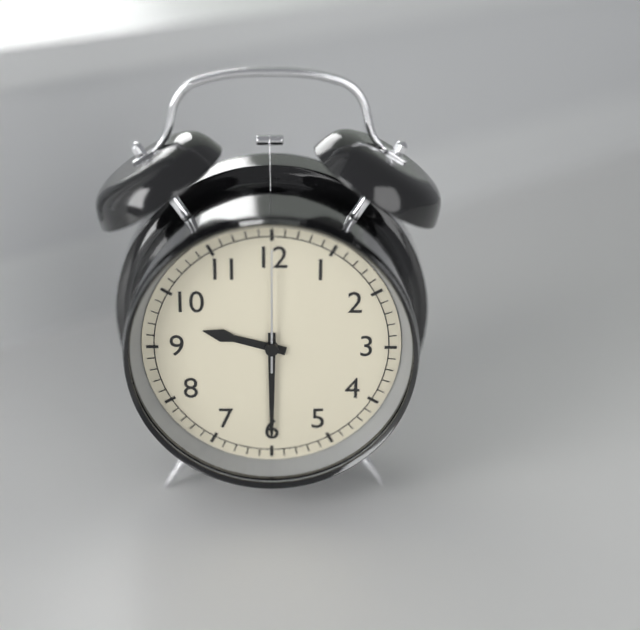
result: 9 h 30 min 00 s
